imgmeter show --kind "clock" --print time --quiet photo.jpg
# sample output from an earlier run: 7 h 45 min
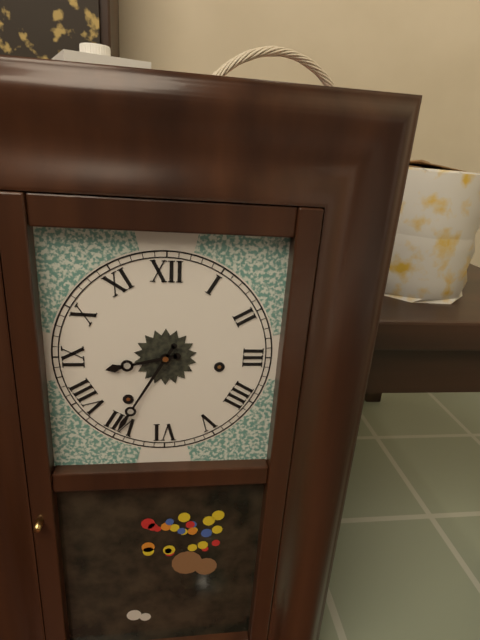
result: 8 h 35 min
